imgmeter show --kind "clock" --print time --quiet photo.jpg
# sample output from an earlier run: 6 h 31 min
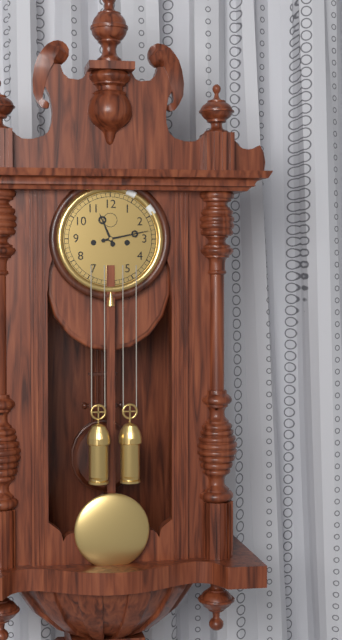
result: 11 h 13 min
